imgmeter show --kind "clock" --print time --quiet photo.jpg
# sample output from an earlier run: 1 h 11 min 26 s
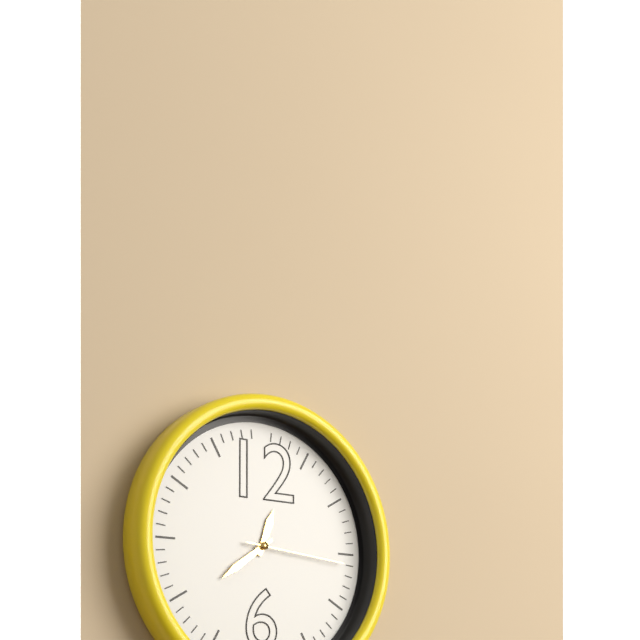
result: 12 h 39 min 16 s
